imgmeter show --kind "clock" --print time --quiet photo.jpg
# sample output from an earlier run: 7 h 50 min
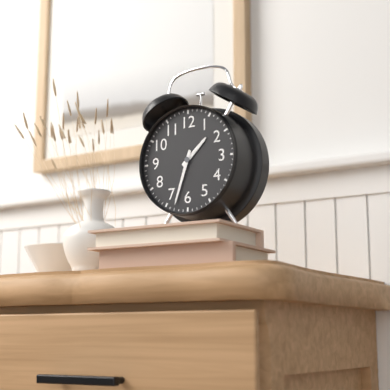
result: 1 h 33 min
